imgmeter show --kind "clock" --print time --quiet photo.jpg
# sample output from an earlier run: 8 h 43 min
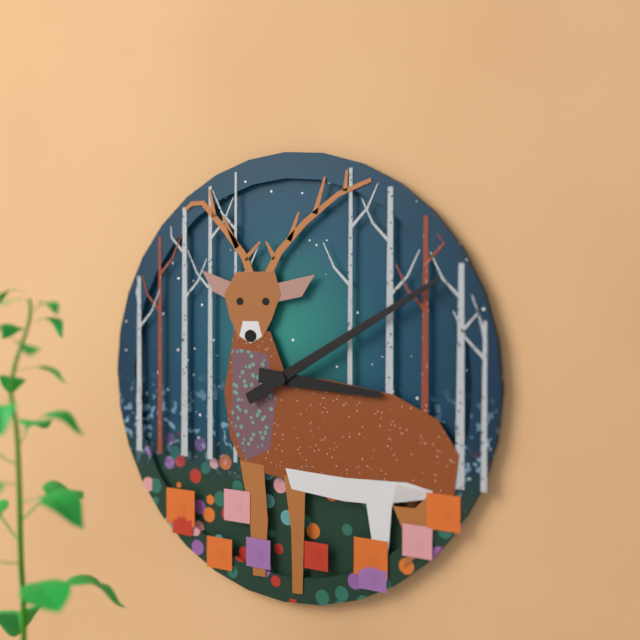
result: 3 h 10 min
